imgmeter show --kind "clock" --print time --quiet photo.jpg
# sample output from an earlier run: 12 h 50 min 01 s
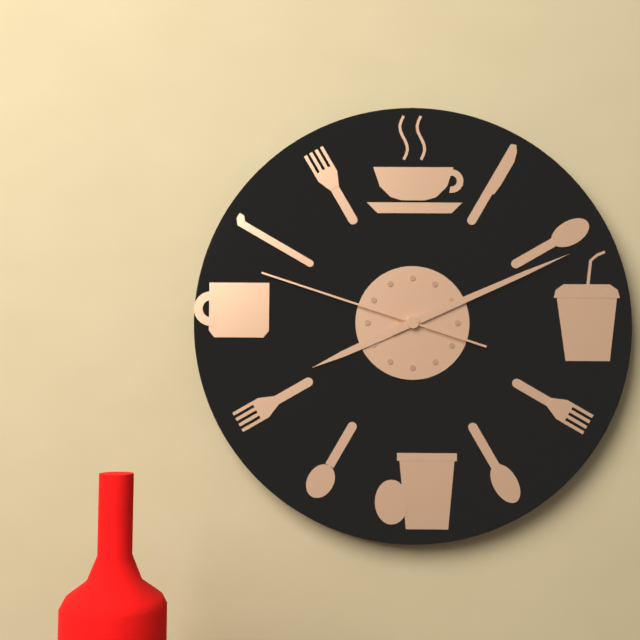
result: 8 h 11 min 48 s
